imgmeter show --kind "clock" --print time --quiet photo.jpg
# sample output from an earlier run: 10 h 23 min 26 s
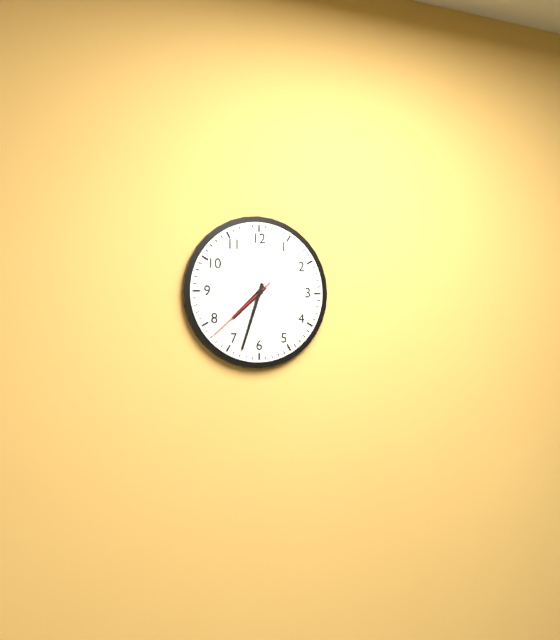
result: 7 h 33 min 38 s
